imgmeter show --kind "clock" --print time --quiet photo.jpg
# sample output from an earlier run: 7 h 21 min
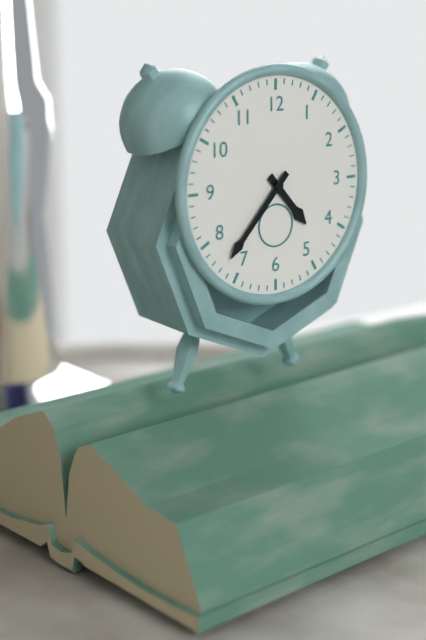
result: 4 h 37 min
